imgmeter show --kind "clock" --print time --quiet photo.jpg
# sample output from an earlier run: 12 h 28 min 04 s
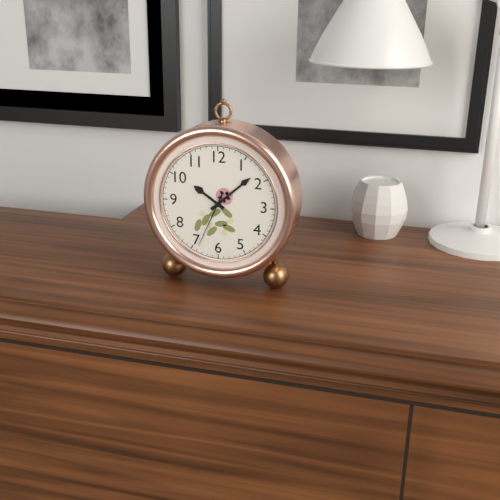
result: 10 h 08 min 34 s
